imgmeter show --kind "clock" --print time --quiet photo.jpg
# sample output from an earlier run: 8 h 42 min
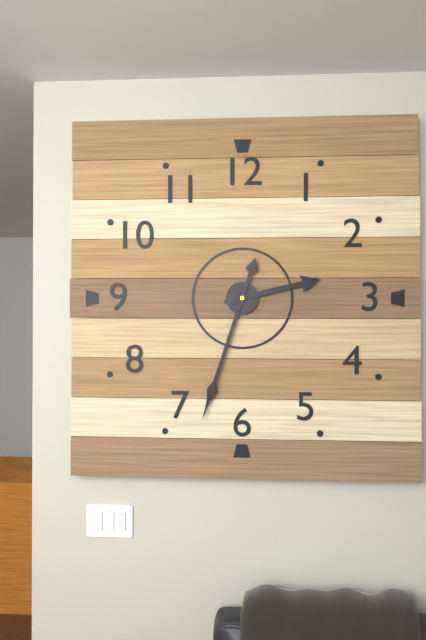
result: 2 h 33 min
